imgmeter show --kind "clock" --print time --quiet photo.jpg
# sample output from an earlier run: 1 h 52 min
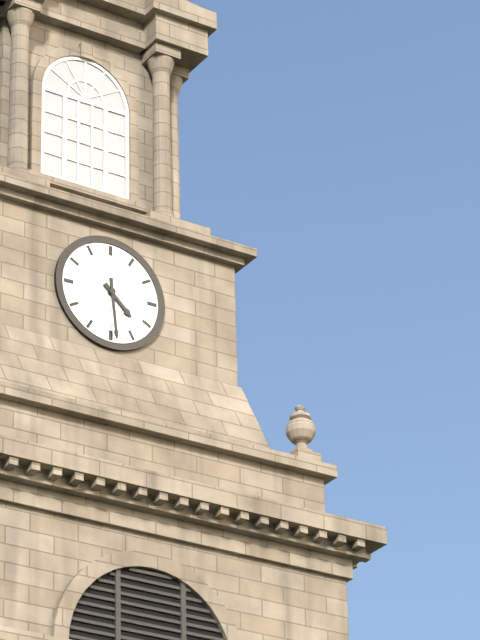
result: 4 h 29 min
